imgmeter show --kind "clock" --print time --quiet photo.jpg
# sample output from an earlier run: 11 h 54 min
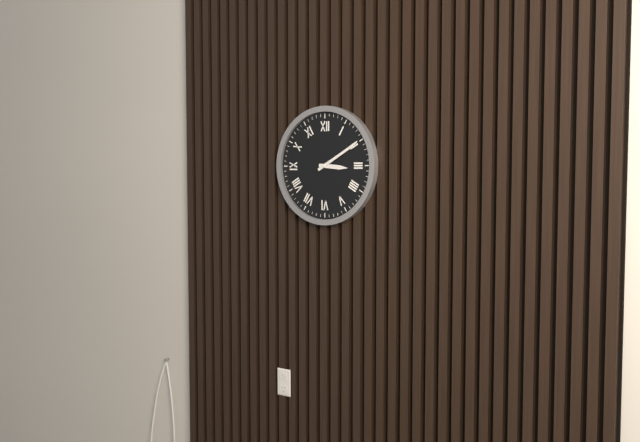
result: 3 h 10 min
